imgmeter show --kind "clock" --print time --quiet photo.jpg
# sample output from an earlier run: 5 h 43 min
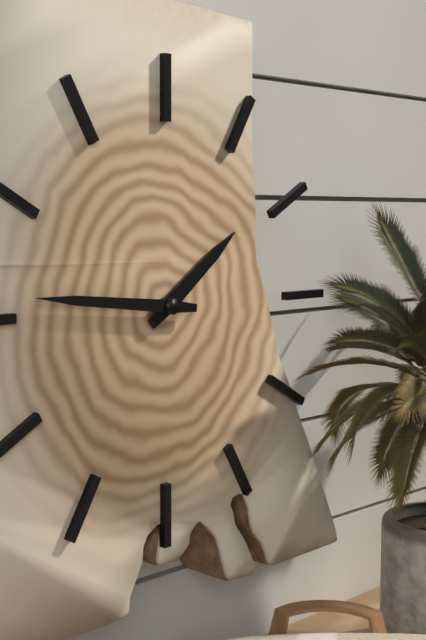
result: 1 h 46 min
